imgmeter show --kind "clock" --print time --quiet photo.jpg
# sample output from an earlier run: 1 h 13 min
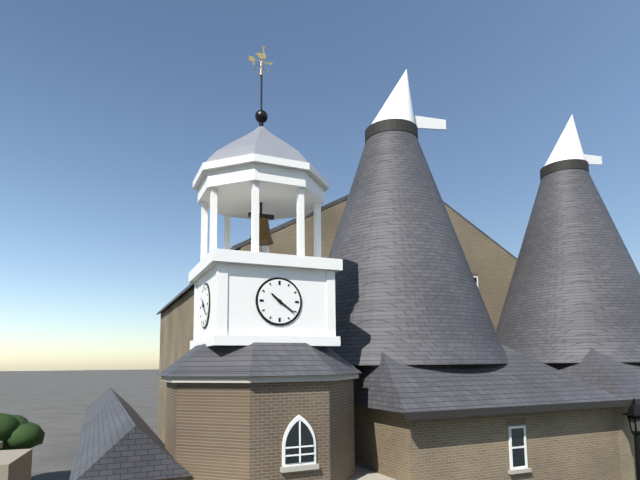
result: 10 h 21 min
